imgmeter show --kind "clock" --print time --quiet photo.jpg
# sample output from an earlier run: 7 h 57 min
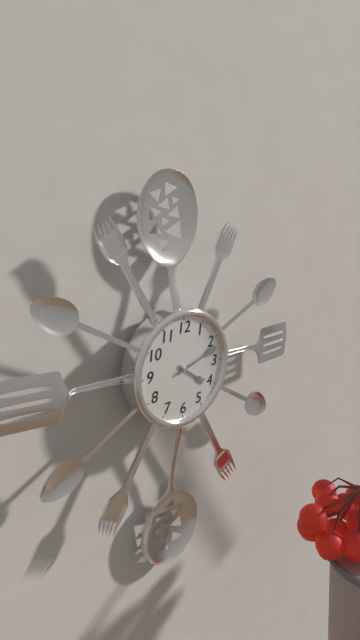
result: 4 h 12 min
